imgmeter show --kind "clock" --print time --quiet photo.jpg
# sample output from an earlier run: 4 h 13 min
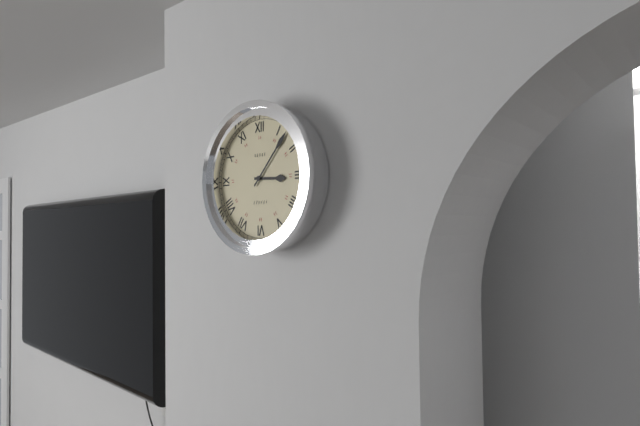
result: 3 h 07 min
